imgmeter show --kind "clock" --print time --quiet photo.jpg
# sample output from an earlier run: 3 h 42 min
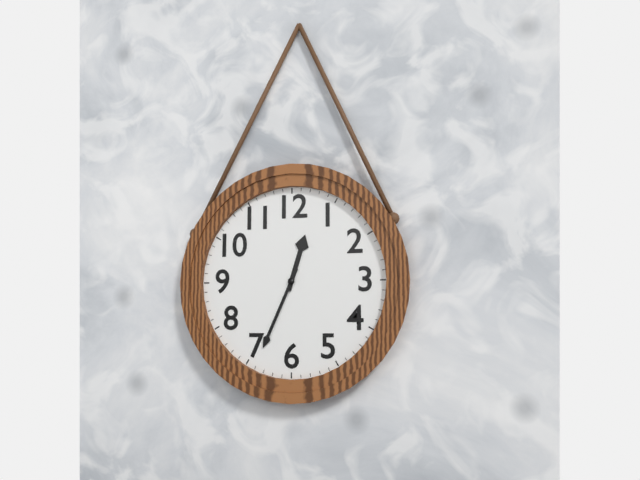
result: 12 h 34 min
